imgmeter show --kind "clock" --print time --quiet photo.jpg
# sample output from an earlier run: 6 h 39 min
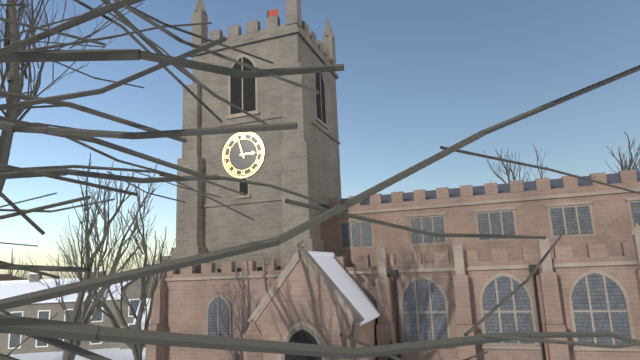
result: 2 h 57 min
